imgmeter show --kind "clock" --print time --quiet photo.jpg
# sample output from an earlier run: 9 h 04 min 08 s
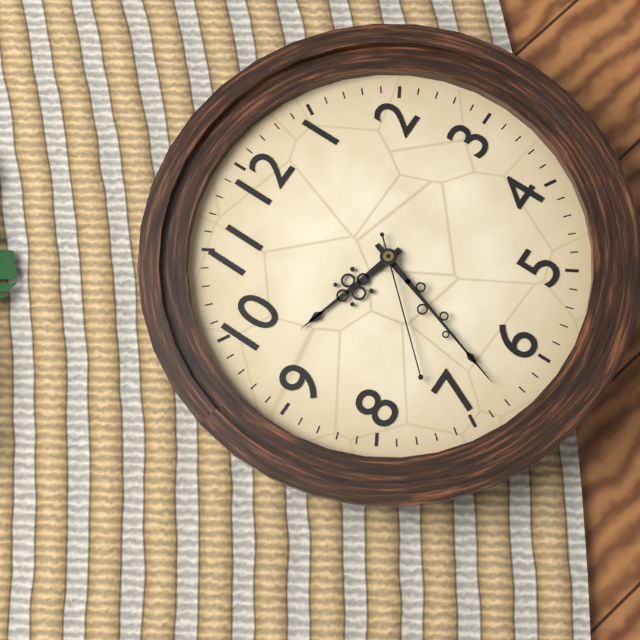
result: 9 h 33 min 37 s
